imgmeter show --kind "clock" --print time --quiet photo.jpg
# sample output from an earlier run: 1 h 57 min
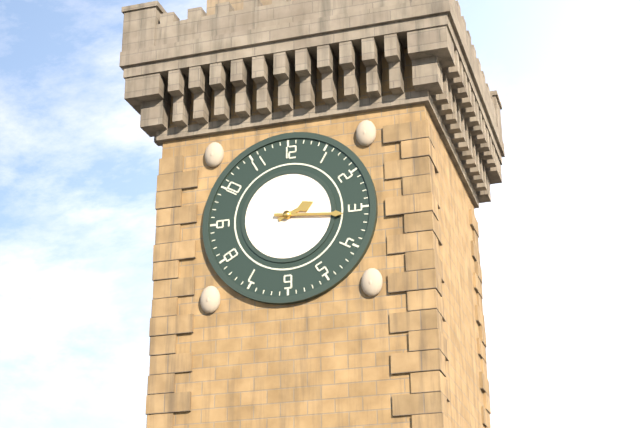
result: 2 h 16 min
